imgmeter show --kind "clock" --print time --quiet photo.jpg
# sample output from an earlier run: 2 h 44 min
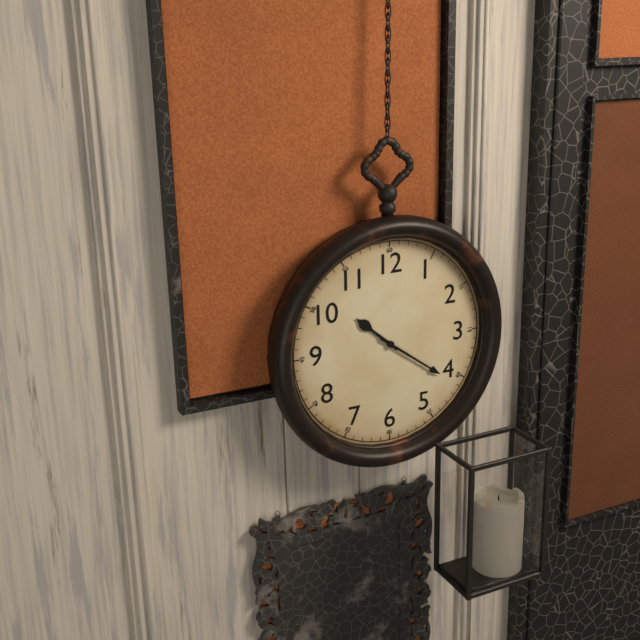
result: 10 h 21 min
